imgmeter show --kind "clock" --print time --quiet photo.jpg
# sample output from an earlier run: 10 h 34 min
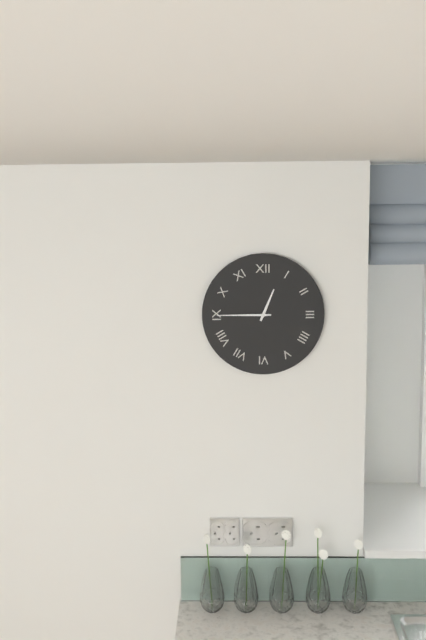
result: 12 h 45 min
